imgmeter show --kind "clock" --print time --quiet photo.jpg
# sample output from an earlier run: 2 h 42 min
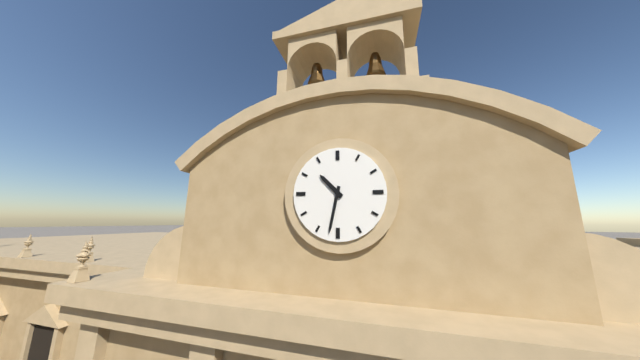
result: 10 h 32 min
